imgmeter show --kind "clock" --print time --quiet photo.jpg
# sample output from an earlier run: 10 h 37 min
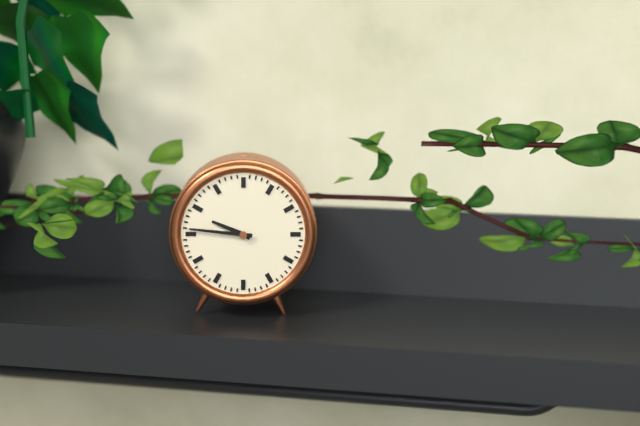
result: 9 h 46 min
